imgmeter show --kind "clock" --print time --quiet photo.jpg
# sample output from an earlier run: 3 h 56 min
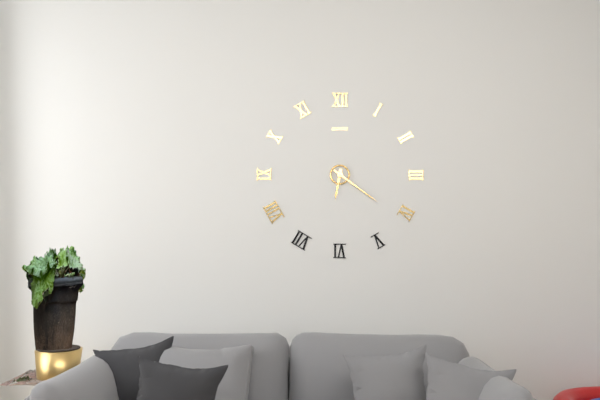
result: 6 h 21 min
